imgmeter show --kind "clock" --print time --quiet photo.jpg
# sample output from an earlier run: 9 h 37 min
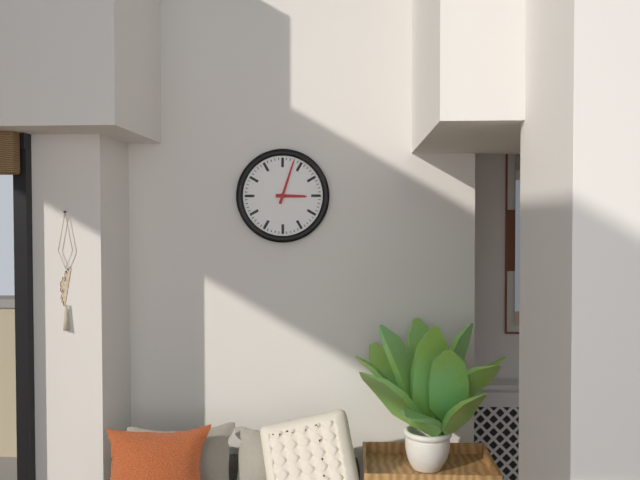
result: 3 h 03 min
